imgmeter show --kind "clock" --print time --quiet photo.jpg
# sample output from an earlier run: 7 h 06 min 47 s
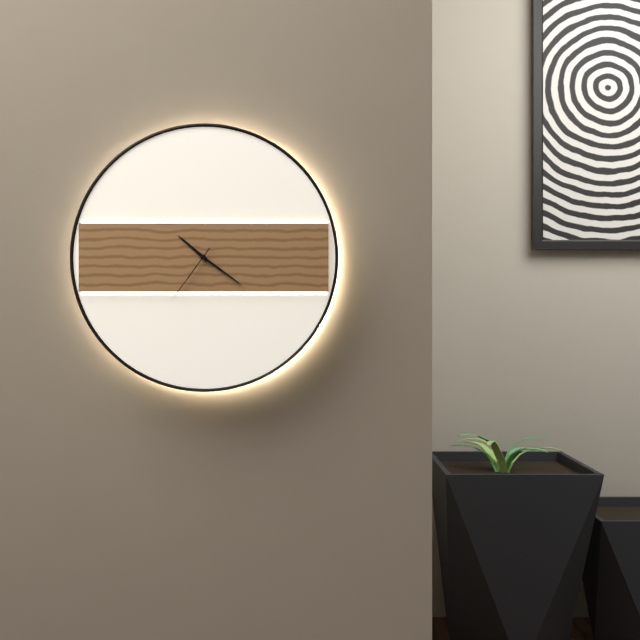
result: 10 h 21 min 36 s
